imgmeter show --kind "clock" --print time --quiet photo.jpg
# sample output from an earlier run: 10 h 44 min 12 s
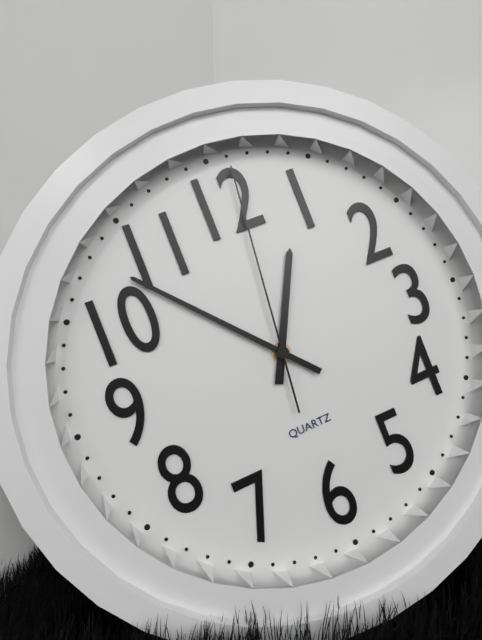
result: 12 h 53 min 01 s
